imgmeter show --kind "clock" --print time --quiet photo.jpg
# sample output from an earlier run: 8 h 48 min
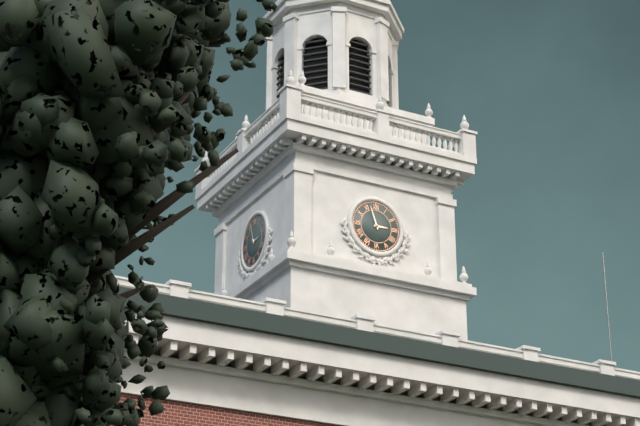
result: 2 h 57 min
